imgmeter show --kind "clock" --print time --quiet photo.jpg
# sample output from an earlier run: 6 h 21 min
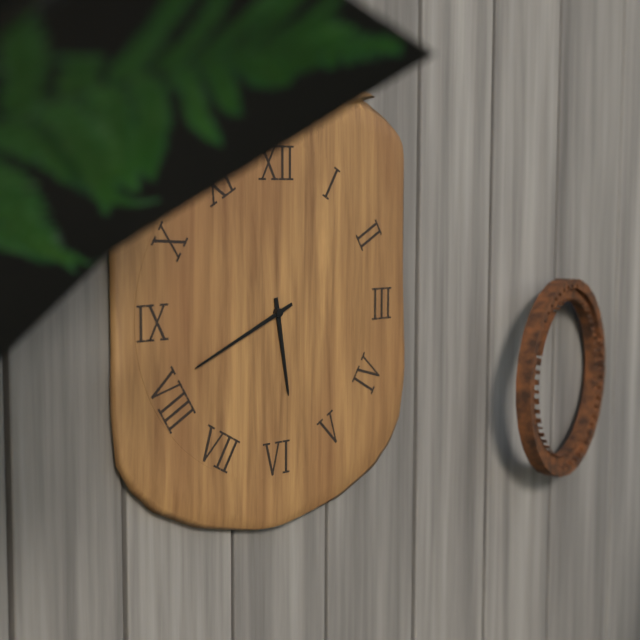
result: 5 h 41 min
